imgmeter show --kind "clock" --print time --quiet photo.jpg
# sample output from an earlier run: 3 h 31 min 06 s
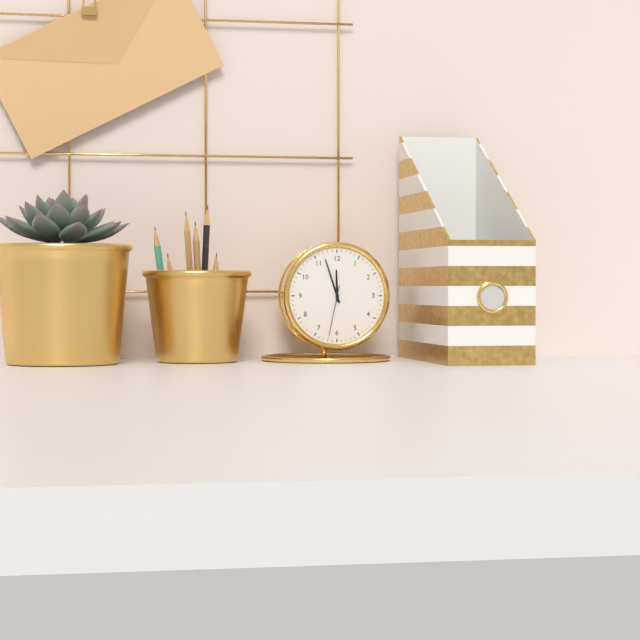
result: 11 h 57 min 32 s
